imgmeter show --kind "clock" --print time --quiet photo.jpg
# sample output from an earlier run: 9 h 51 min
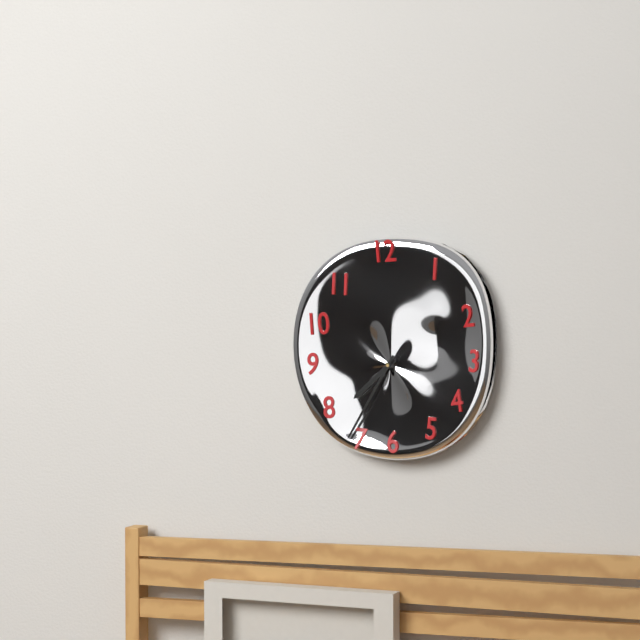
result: 7 h 35 min
